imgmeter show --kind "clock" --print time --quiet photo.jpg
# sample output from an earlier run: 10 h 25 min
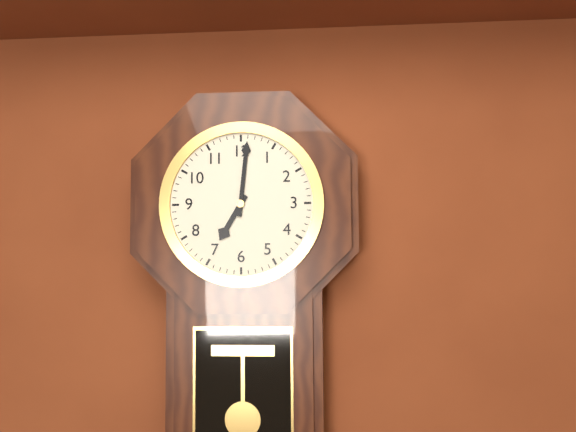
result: 7 h 01 min
